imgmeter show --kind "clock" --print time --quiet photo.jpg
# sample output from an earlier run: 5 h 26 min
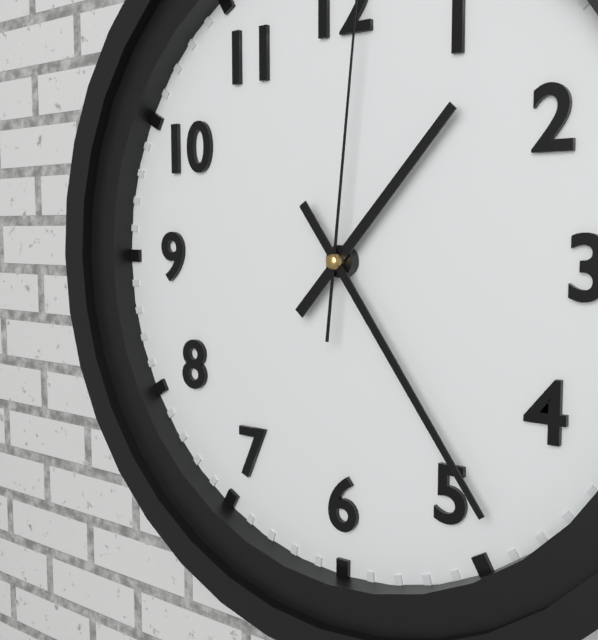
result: 1 h 24 min
